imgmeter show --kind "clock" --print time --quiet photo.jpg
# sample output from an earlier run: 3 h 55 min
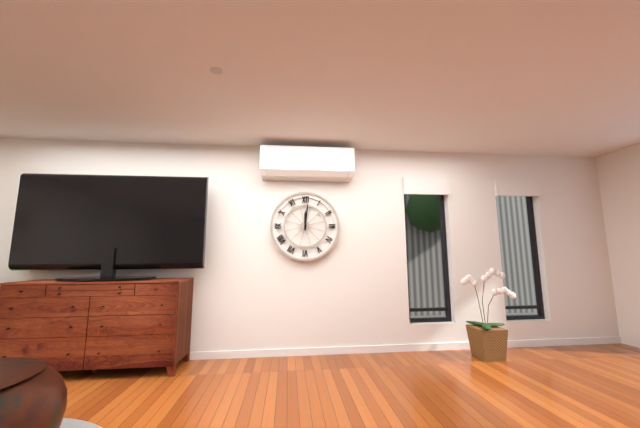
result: 12 h 01 min
